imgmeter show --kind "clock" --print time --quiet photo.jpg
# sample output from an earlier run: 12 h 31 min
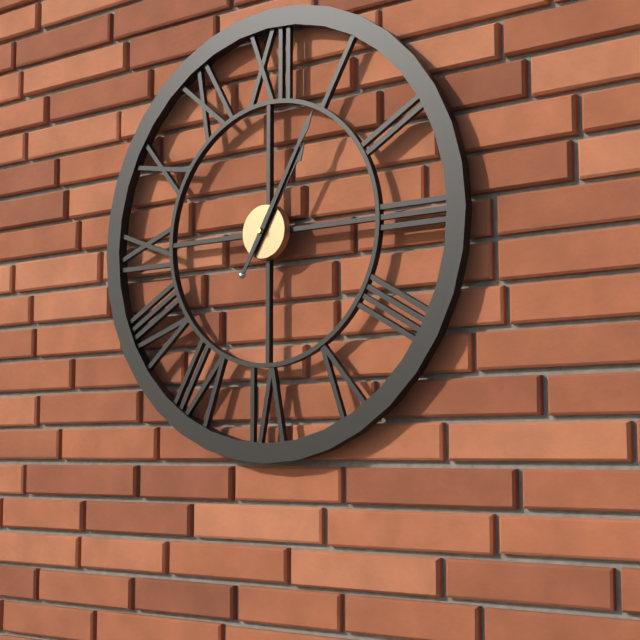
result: 1 h 05 min
